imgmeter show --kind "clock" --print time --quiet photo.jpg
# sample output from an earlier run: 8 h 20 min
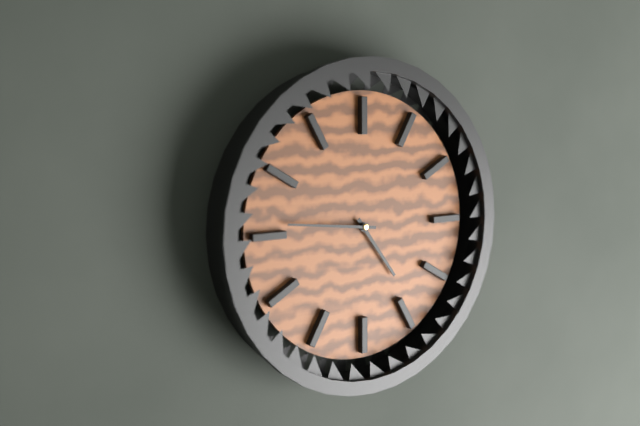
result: 4 h 46 min
